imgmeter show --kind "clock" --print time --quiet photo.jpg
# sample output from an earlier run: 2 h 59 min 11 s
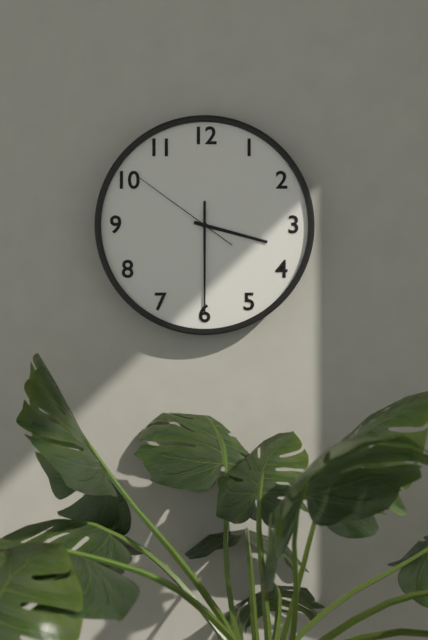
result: 3 h 30 min 51 s
